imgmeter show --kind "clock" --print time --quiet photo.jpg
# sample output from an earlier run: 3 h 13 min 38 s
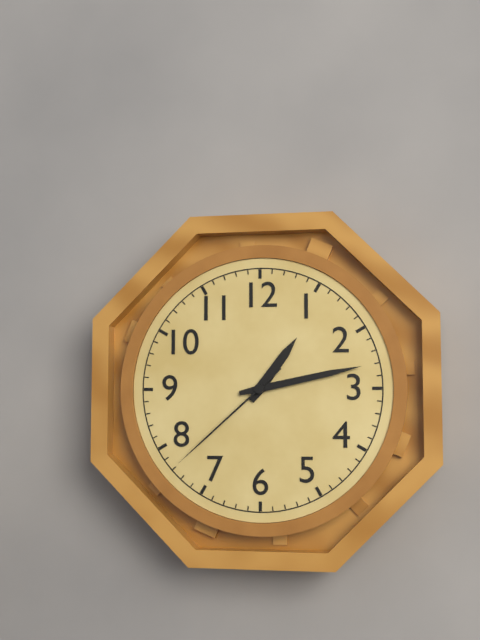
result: 1 h 13 min 38 s
